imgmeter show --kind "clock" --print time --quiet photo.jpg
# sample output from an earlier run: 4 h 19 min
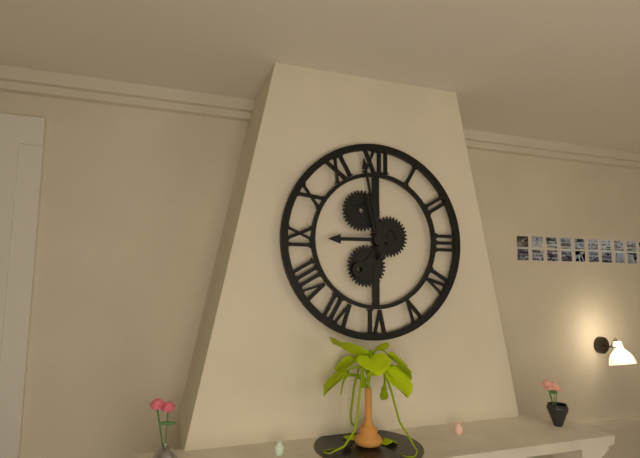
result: 8 h 58 min
